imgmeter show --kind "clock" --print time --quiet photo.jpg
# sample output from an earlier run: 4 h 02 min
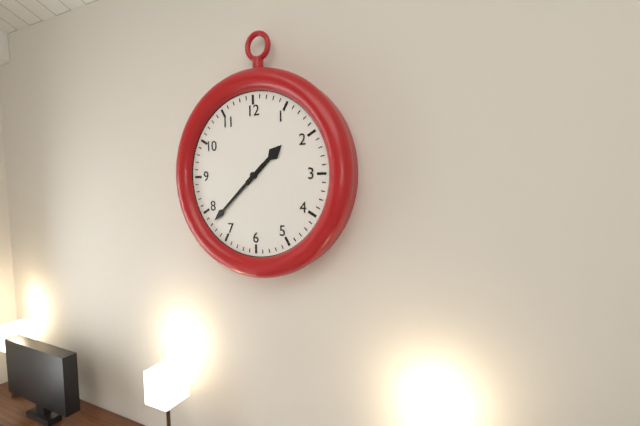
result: 1 h 38 min
